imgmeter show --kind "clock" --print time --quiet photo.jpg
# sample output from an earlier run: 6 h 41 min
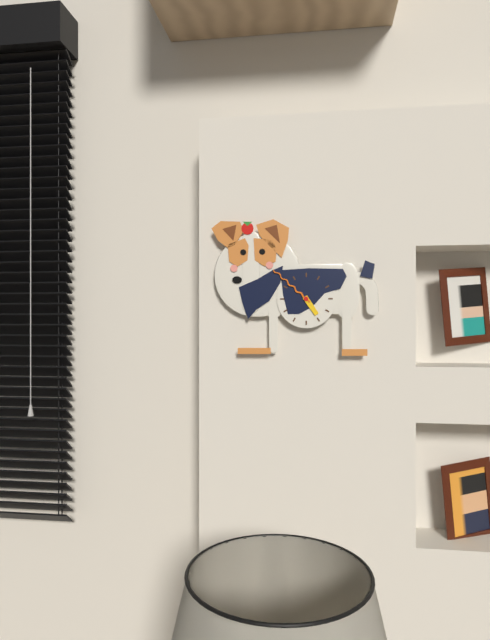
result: 4 h 52 min
